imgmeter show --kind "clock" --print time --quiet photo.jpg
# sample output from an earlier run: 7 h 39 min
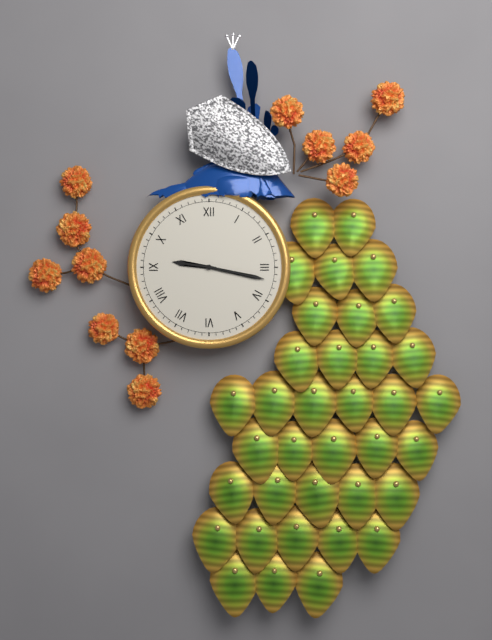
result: 9 h 17 min
